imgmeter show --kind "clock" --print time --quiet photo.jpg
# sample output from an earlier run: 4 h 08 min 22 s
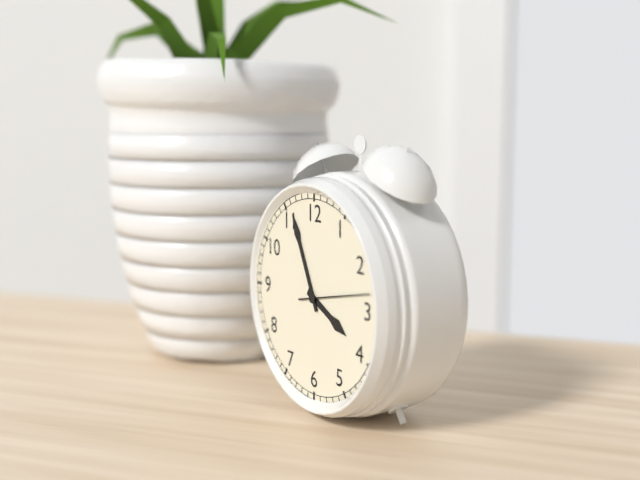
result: 3 h 56 min 13 s
